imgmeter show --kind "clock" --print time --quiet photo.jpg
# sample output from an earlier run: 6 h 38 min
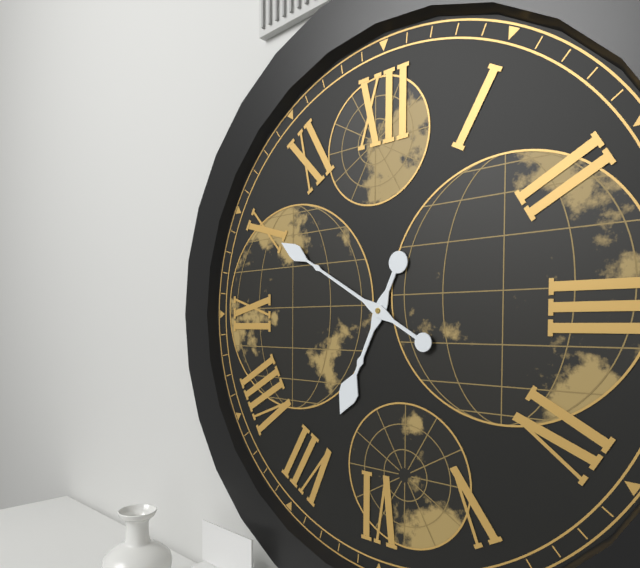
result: 6 h 50 min
